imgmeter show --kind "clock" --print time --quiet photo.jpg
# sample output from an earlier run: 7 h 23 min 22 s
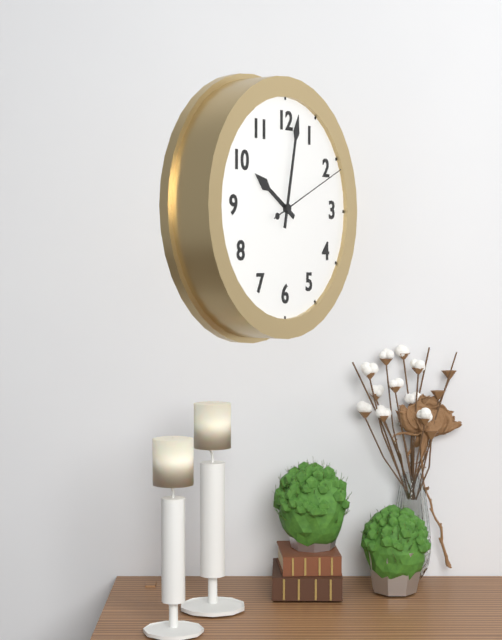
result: 10 h 02 min 11 s
